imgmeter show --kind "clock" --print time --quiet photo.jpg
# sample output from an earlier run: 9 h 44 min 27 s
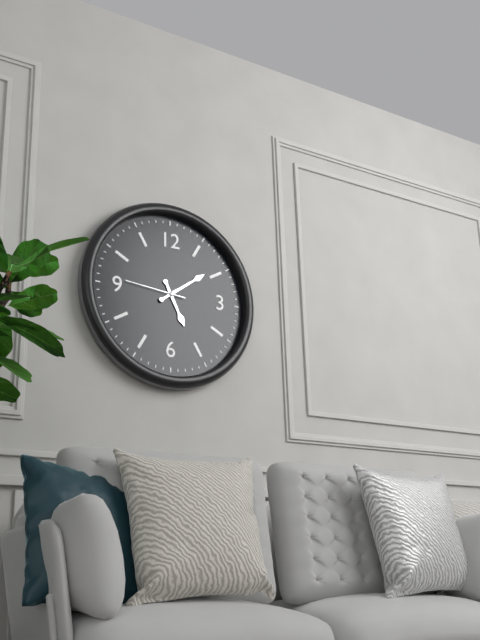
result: 5 h 09 min 46 s
